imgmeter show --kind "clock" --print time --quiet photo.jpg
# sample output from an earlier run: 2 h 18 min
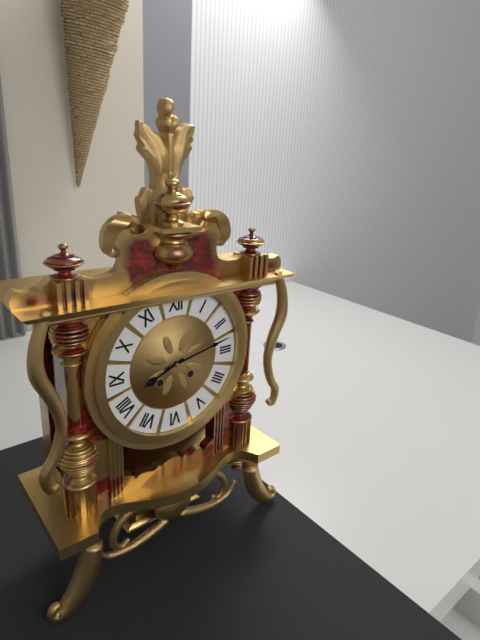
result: 8 h 13 min
